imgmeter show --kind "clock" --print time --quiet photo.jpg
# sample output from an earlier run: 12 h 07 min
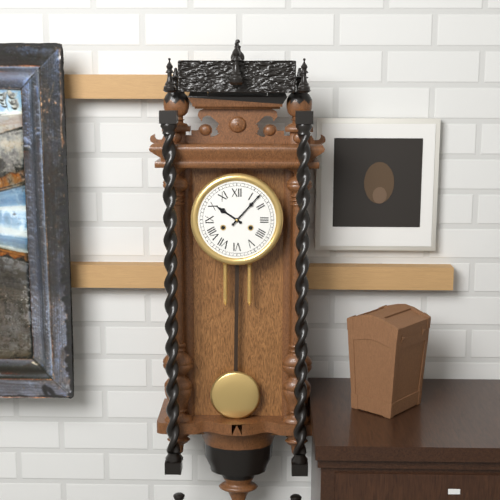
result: 10 h 07 min
